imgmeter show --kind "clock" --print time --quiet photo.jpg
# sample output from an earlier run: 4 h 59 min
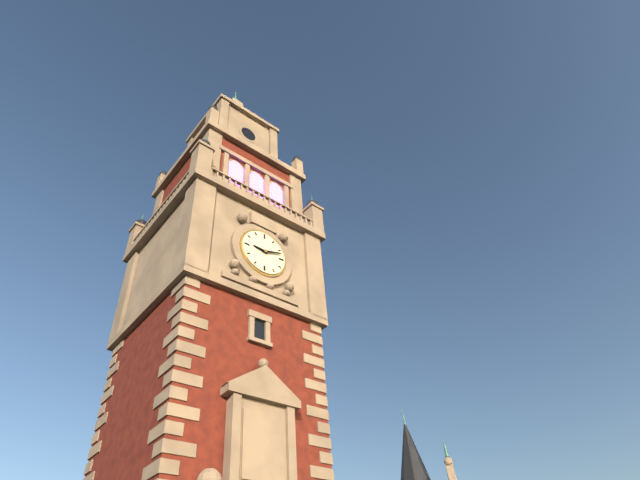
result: 9 h 12 min
